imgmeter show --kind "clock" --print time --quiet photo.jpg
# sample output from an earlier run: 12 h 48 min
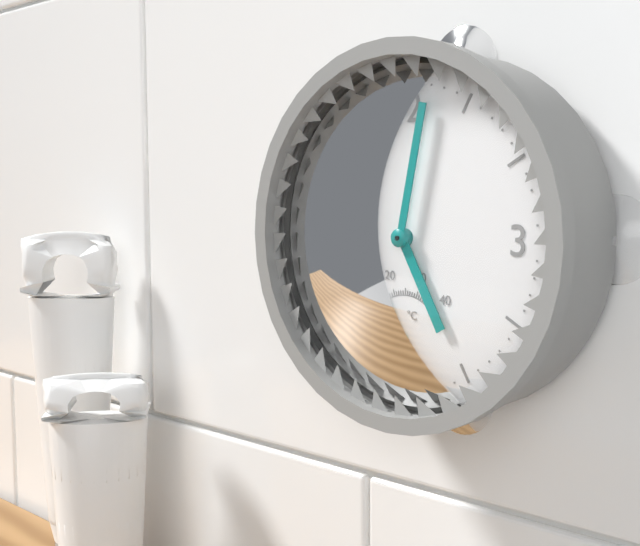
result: 5 h 02 min
